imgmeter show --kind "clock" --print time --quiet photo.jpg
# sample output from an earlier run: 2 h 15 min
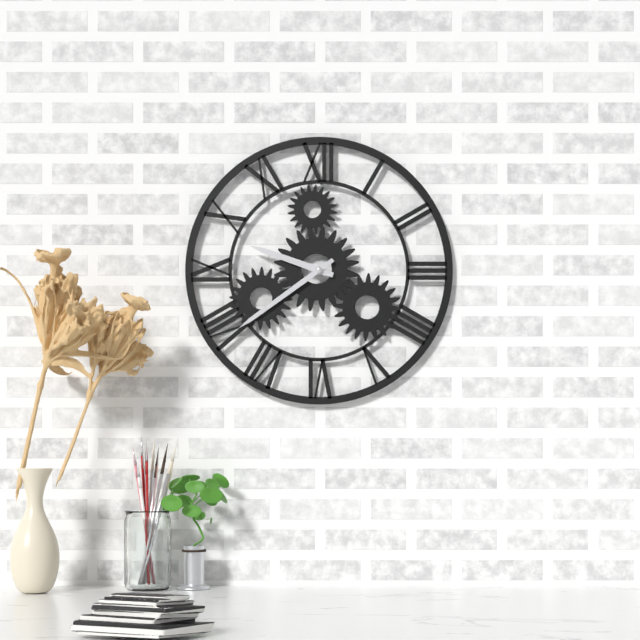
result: 9 h 39 min
